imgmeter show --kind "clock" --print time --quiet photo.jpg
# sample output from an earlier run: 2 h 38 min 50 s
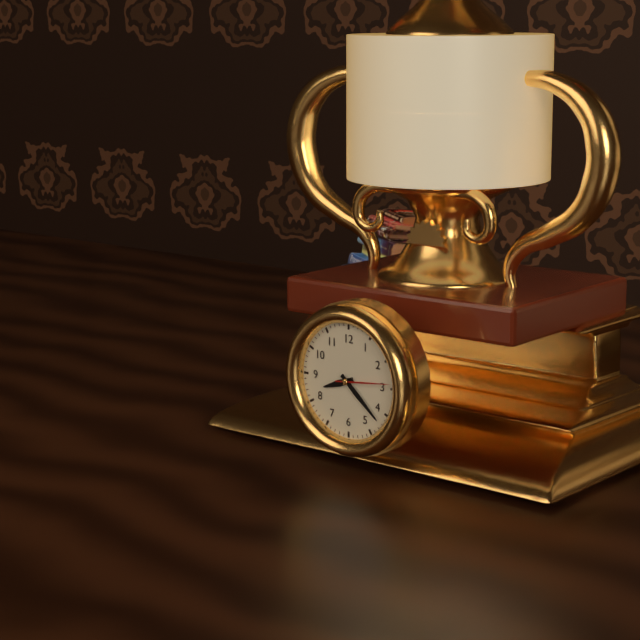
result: 8 h 22 min 14 s
